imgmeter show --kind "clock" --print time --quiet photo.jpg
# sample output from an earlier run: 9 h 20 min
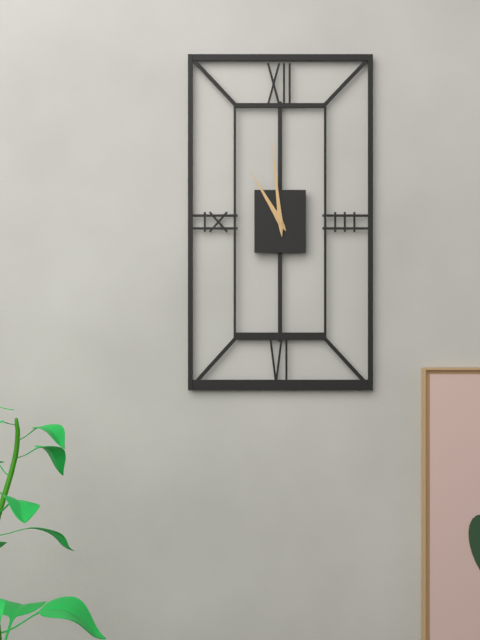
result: 10 h 59 min
